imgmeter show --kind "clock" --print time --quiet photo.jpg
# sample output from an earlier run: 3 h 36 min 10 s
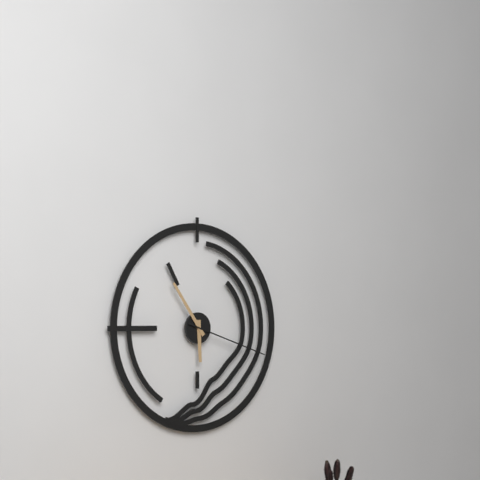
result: 5 h 54 min 18 s
